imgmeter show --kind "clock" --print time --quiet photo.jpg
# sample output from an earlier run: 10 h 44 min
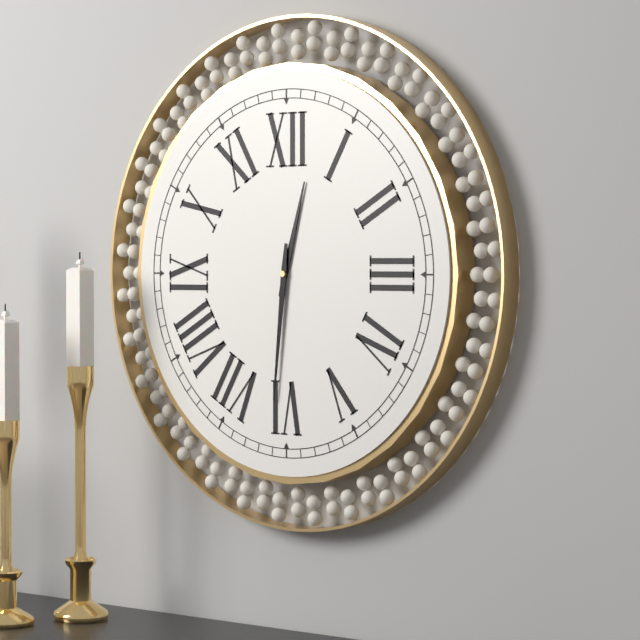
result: 12 h 31 min
